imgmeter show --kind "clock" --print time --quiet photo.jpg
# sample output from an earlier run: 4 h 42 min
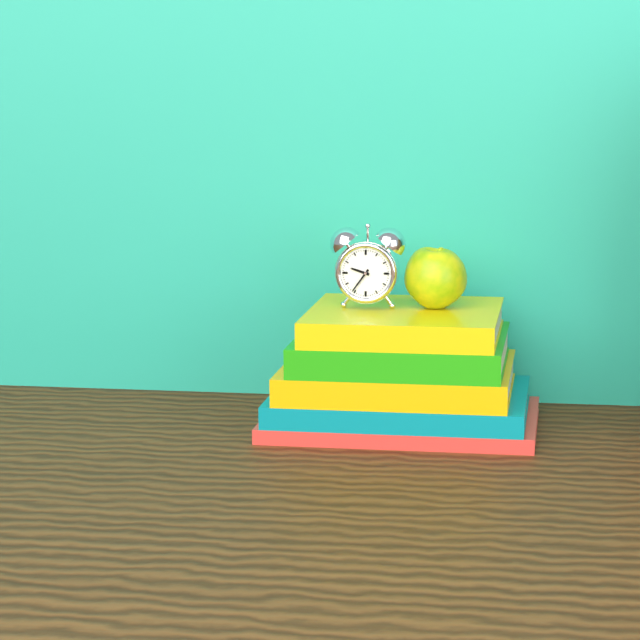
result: 9 h 36 min
